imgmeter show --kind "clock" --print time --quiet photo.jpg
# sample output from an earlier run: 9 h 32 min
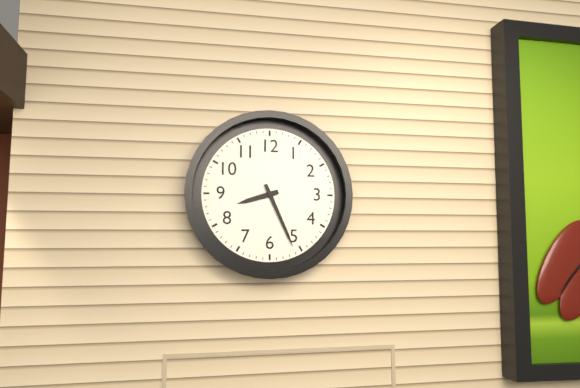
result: 8 h 26 min
